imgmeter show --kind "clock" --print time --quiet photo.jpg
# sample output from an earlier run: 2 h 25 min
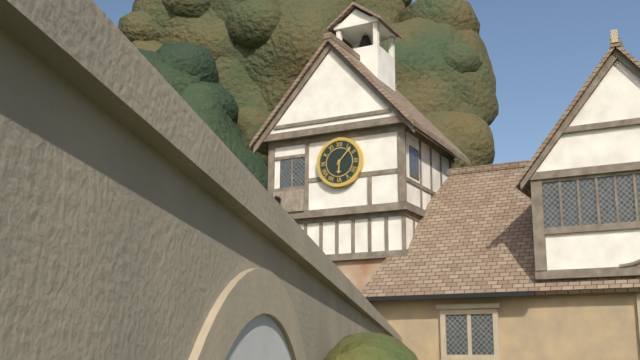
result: 6 h 07 min
